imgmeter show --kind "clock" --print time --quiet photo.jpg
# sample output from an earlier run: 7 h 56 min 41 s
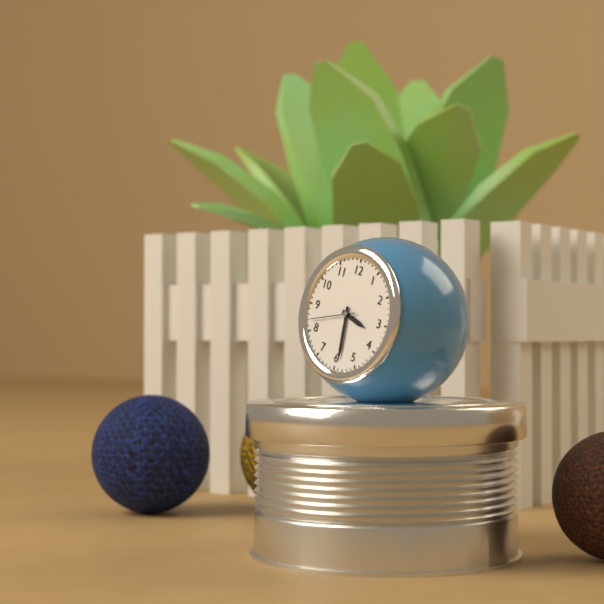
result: 3 h 29 min 42 s
